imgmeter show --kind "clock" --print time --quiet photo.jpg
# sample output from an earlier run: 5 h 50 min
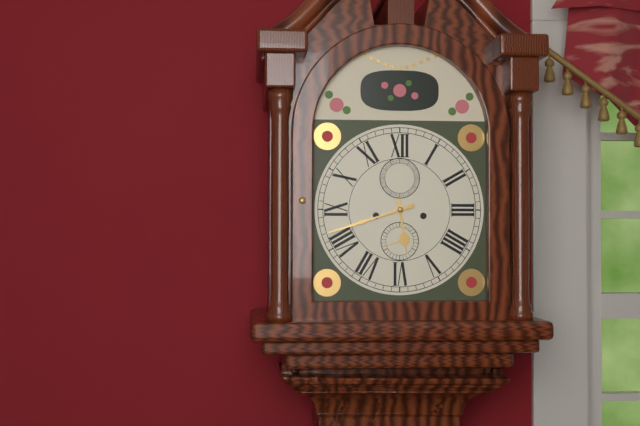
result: 5 h 42 min
